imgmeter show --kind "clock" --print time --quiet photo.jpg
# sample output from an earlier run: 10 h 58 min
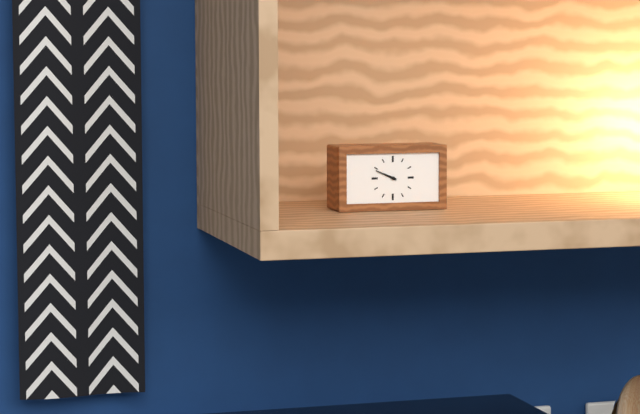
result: 9 h 49 min
